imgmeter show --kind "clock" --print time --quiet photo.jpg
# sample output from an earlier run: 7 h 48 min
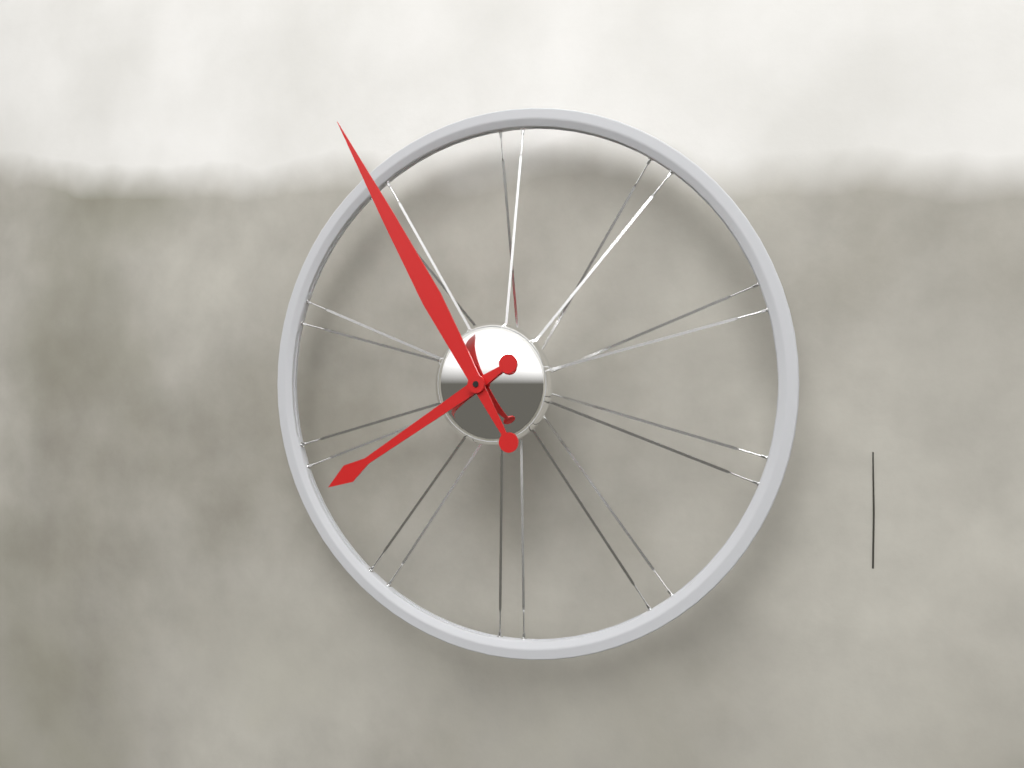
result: 7 h 55 min
